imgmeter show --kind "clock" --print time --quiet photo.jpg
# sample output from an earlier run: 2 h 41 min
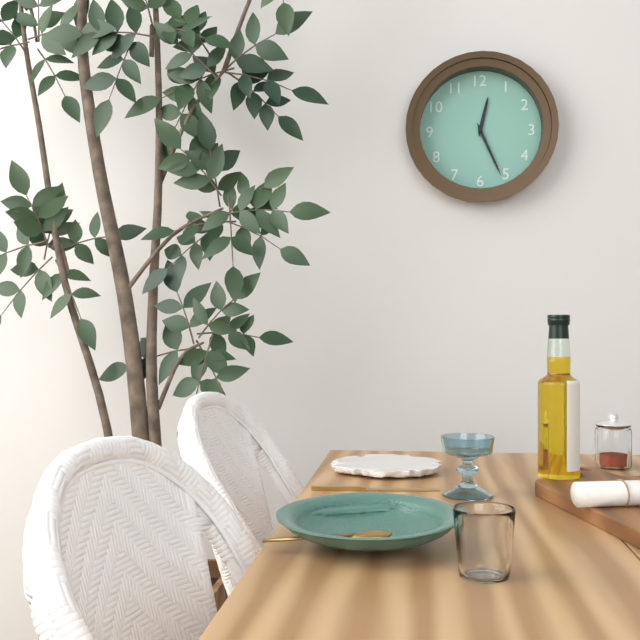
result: 12 h 26 min
